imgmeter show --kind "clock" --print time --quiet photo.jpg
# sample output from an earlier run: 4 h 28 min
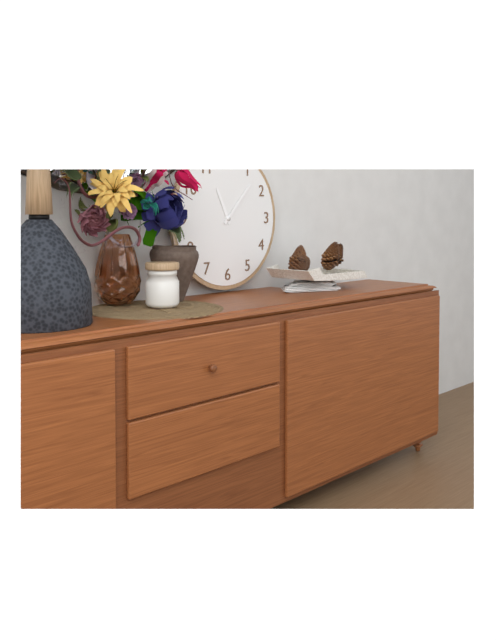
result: 11 h 07 min
